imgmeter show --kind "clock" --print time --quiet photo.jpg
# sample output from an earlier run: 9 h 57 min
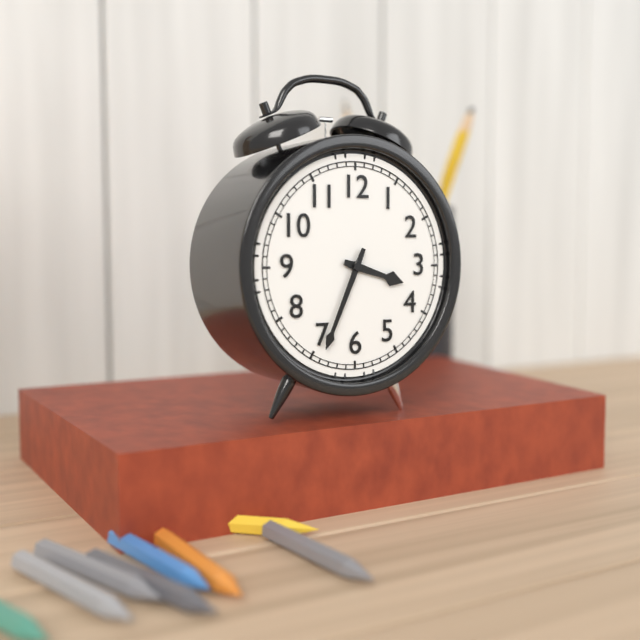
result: 3 h 34 min
